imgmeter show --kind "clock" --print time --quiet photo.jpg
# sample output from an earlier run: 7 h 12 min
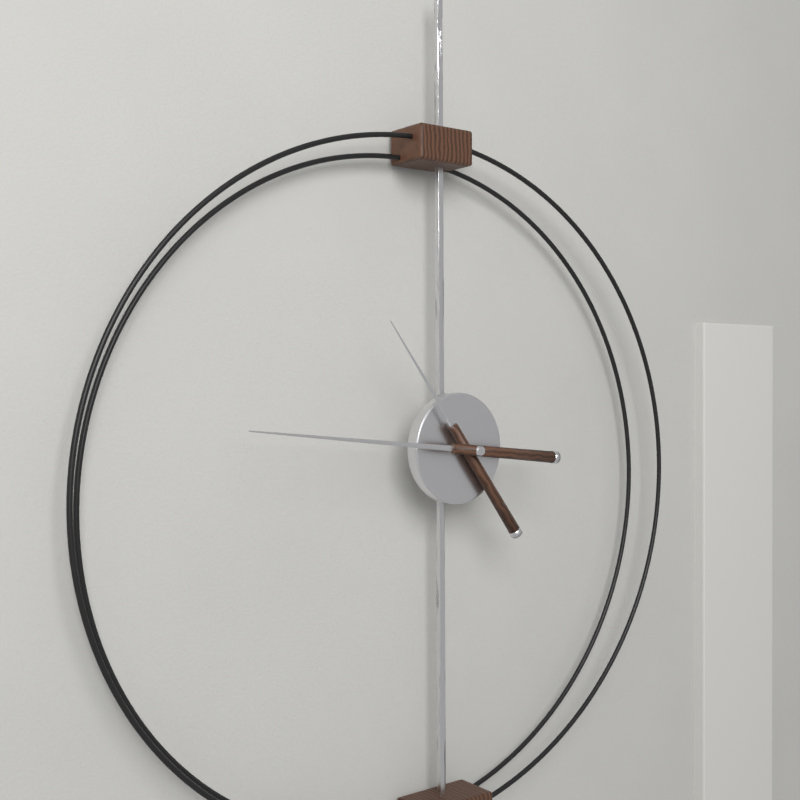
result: 10 h 46 min
